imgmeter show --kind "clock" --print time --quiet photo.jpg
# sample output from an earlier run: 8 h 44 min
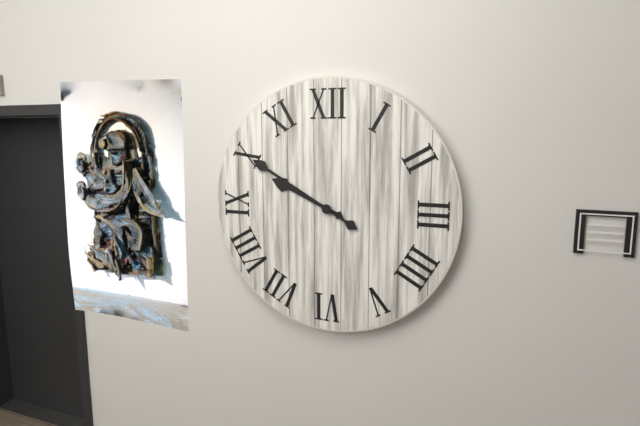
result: 9 h 50 min
